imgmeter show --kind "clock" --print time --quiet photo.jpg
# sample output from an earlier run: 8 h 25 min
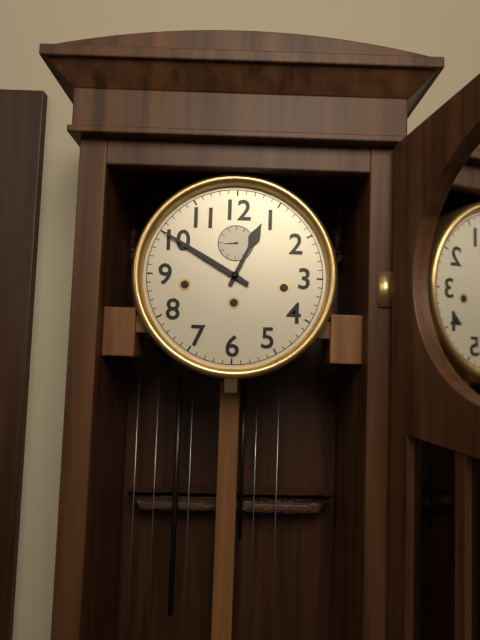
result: 12 h 50 min
